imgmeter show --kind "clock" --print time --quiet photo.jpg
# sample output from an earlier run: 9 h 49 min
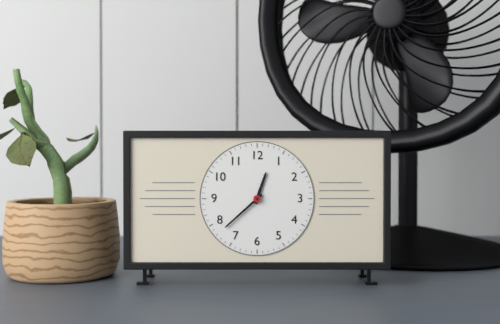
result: 12 h 38 min
